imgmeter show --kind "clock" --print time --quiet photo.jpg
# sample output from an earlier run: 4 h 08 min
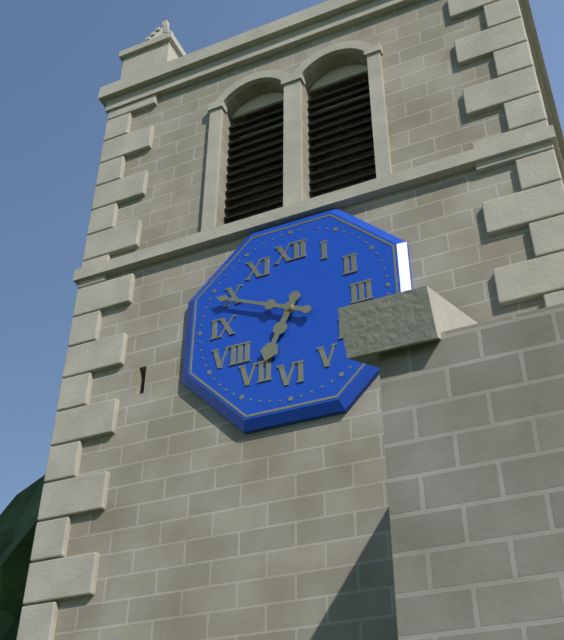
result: 6 h 49 min
